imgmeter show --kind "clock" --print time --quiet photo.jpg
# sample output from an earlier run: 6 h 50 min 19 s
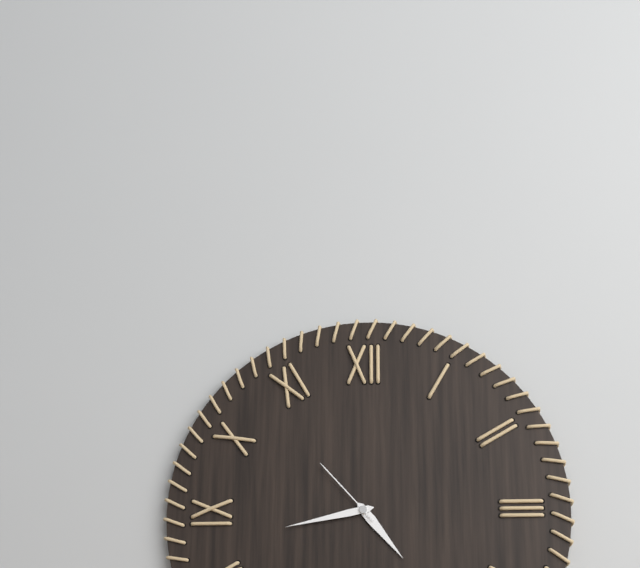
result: 4 h 43 min 53 s
